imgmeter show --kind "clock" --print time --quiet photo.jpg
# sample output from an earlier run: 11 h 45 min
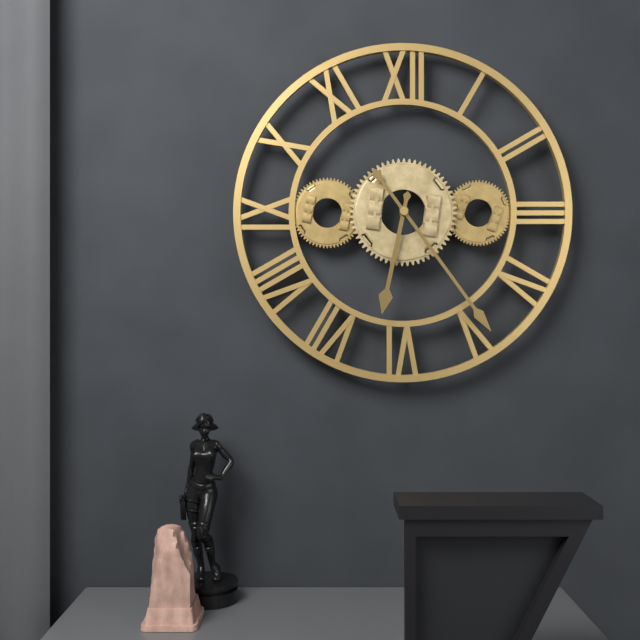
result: 6 h 24 min
